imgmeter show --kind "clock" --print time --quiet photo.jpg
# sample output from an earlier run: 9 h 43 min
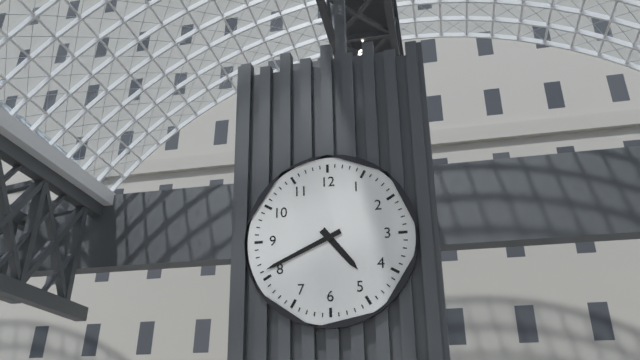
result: 4 h 41 min
